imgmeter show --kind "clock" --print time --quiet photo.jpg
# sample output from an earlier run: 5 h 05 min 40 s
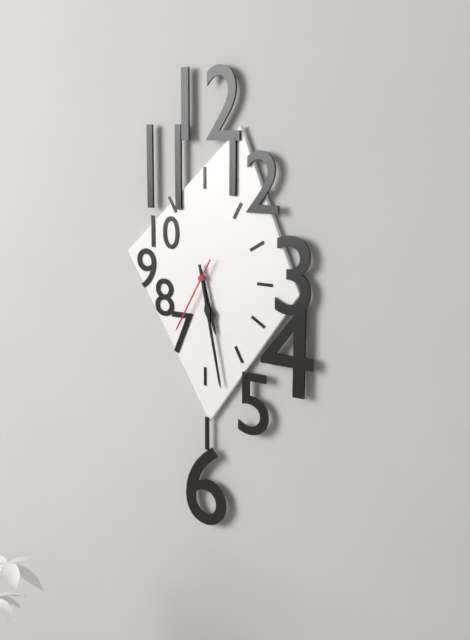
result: 5 h 28 min 35 s
